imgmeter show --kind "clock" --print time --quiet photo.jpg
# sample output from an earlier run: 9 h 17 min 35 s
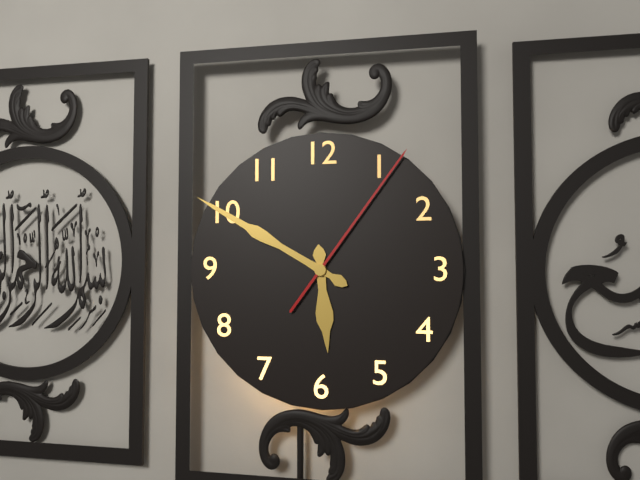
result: 5 h 50 min 06 s
